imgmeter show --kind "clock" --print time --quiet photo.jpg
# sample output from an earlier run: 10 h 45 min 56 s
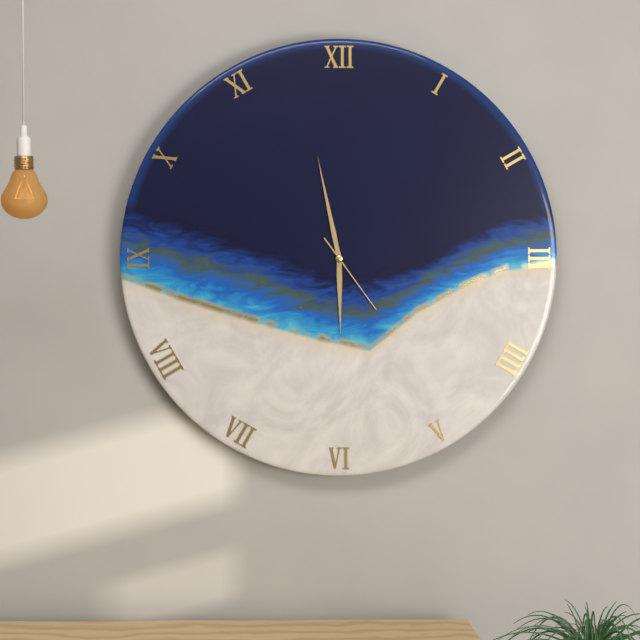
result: 5 h 58 min 24 s
